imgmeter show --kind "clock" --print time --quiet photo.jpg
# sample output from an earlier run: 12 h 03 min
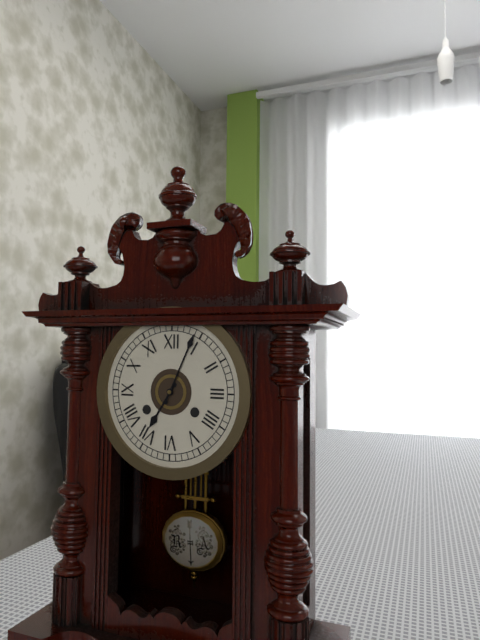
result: 7 h 04 min
